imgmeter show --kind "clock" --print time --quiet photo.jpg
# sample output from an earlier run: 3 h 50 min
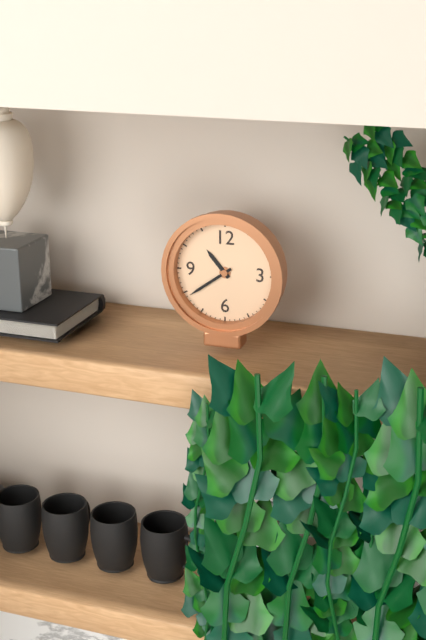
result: 10 h 39 min
